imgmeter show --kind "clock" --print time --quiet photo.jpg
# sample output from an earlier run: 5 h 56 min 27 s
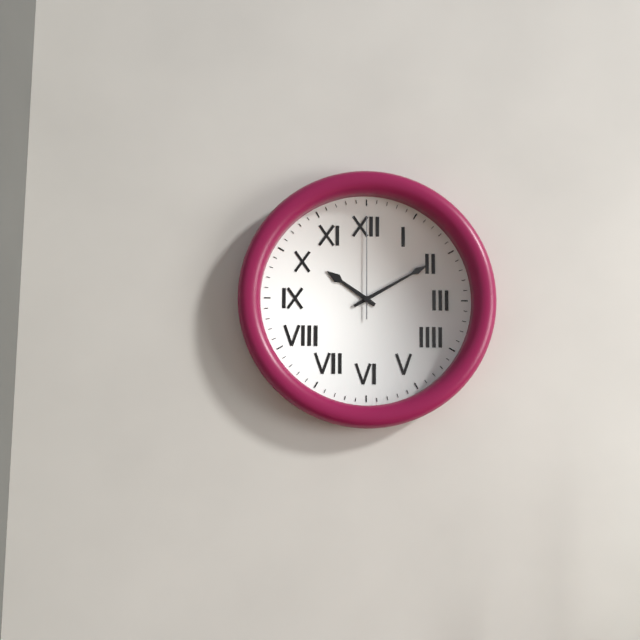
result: 10 h 10 min 00 s
